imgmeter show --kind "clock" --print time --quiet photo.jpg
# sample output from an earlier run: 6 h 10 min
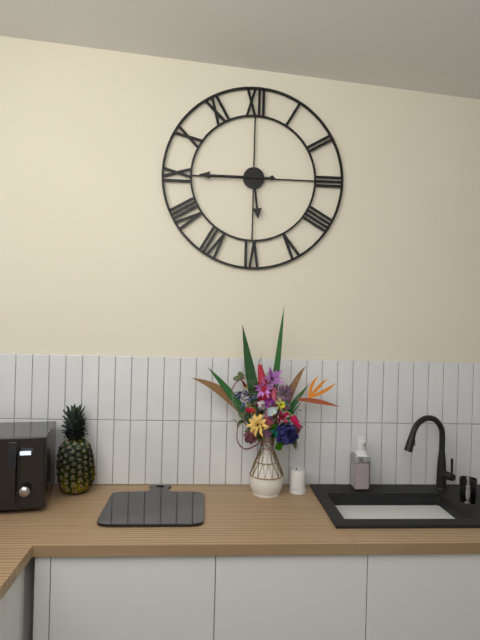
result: 5 h 45 min
